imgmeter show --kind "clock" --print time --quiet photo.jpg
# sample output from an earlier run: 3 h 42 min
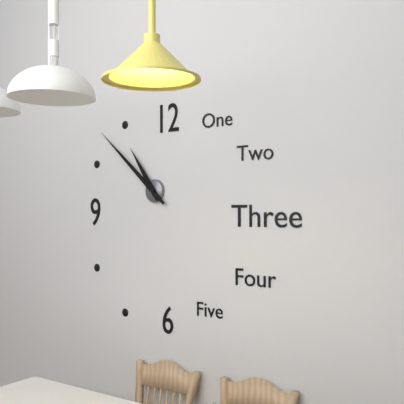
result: 10 h 52 min
